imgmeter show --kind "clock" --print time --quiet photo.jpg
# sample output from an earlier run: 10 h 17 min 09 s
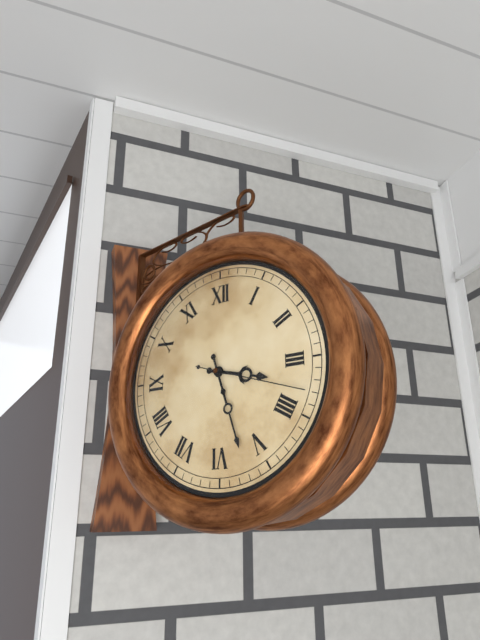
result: 3 h 27 min 18 s
